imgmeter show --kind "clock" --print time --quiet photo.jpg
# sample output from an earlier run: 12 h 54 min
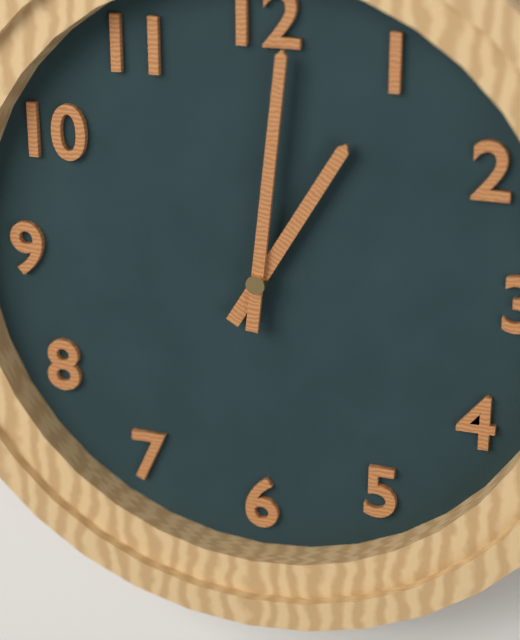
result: 1 h 01 min
